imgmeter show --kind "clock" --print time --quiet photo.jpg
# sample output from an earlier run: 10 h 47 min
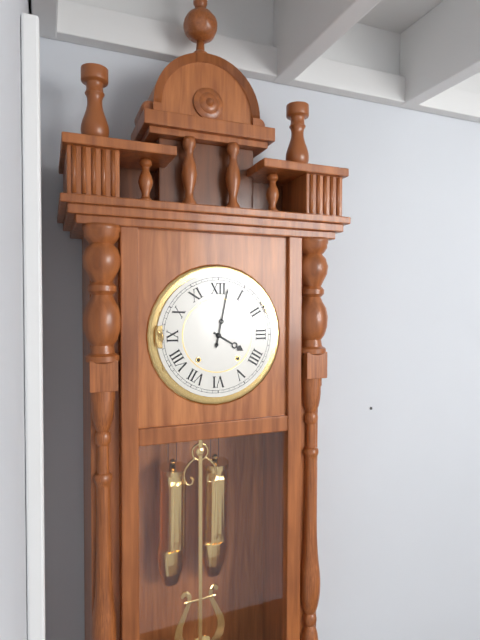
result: 4 h 02 min
